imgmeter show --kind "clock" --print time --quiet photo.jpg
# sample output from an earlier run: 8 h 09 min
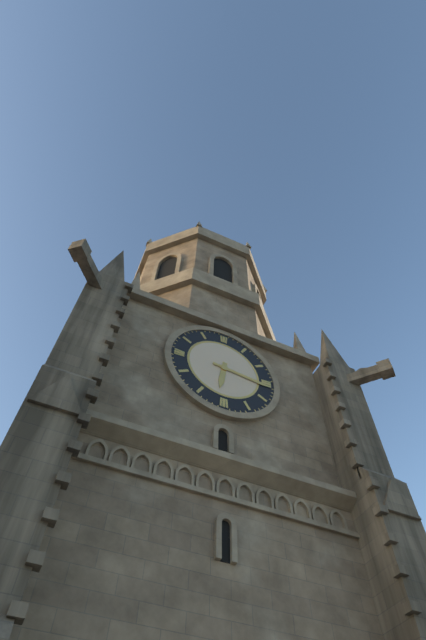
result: 6 h 16 min
